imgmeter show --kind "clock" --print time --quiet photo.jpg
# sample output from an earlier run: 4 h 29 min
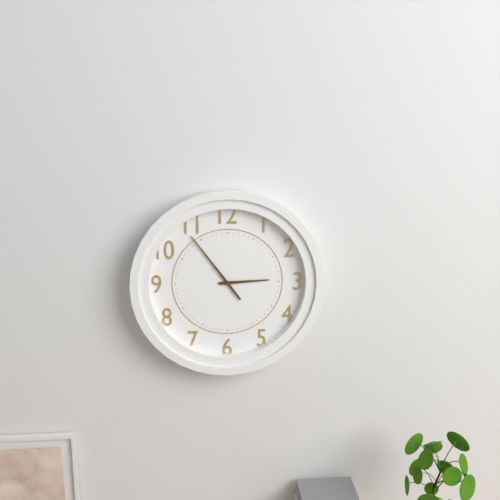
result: 2 h 54 min
